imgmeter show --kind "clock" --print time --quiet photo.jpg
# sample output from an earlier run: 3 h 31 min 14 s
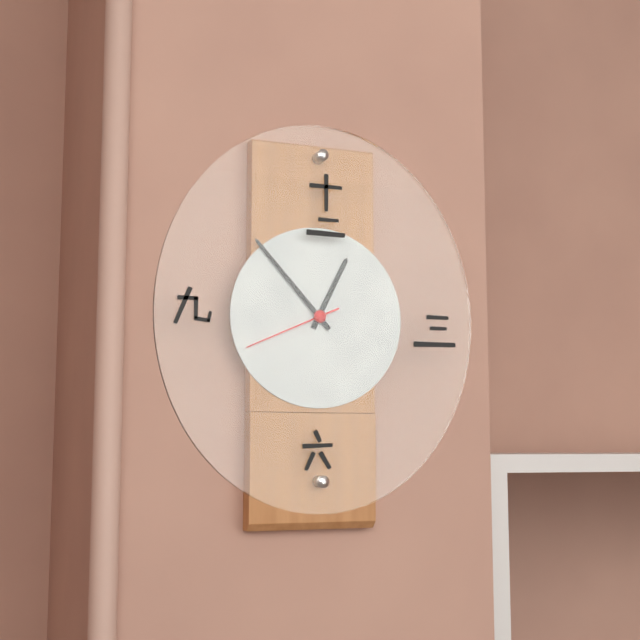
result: 12 h 53 min 41 s
